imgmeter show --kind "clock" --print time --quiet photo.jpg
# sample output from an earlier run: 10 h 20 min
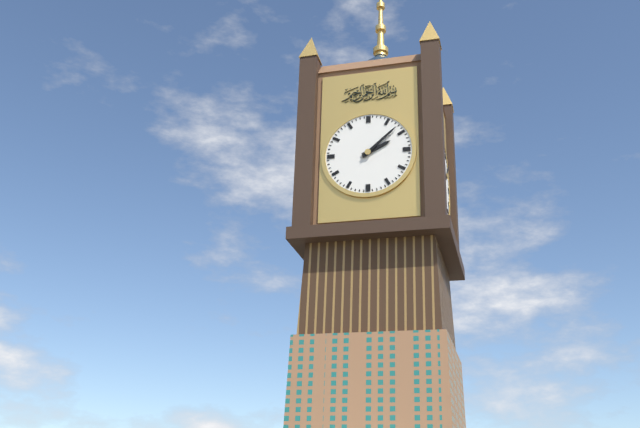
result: 2 h 08 min
